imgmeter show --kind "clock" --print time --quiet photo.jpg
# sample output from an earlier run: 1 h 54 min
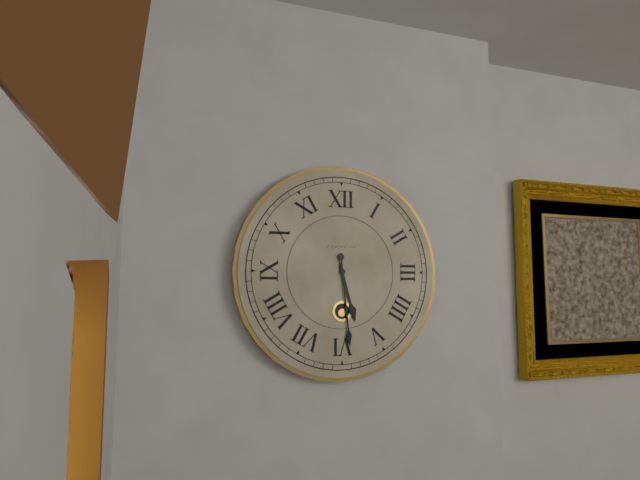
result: 5 h 29 min
